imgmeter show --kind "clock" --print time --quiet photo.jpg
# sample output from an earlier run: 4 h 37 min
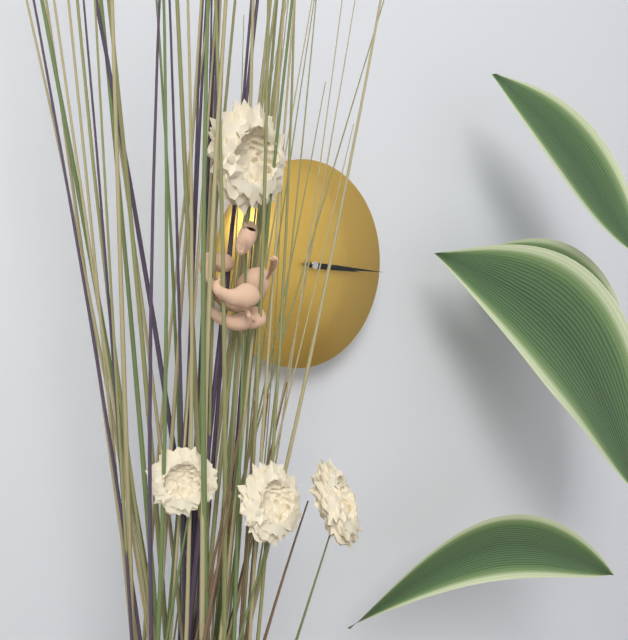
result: 3 h 16 min
